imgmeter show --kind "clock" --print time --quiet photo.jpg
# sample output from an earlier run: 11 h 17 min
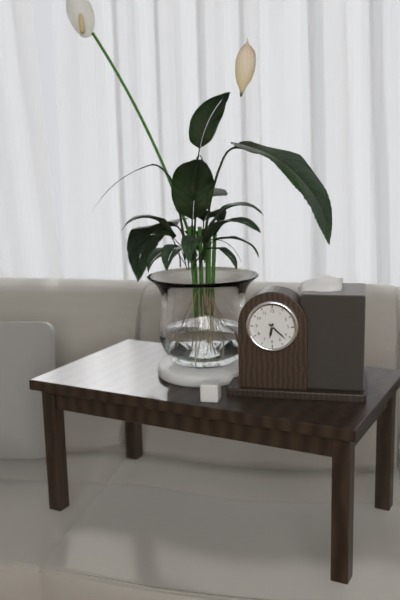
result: 6 h 22 min
